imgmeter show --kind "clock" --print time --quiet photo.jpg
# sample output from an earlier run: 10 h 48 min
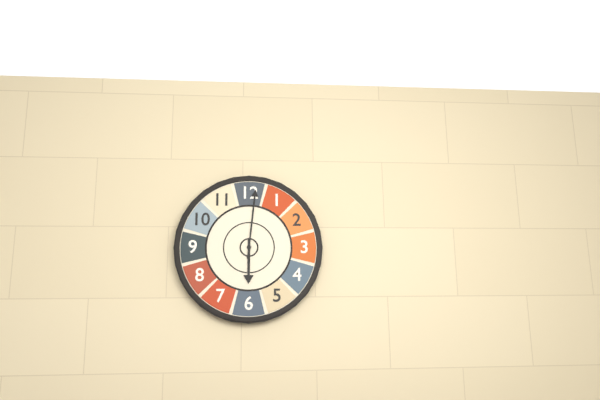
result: 6 h 01 min
